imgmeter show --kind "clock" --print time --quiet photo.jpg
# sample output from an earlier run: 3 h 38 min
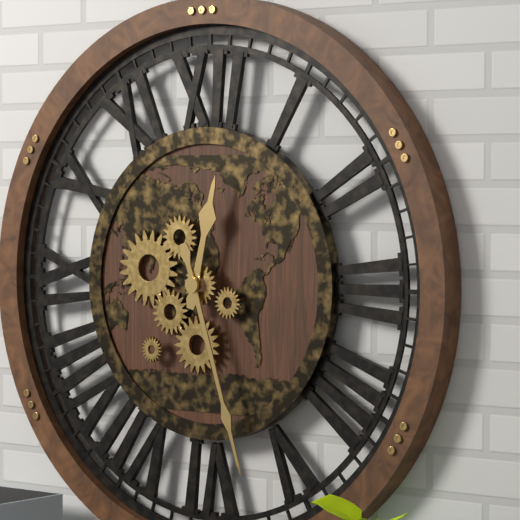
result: 12 h 27 min
